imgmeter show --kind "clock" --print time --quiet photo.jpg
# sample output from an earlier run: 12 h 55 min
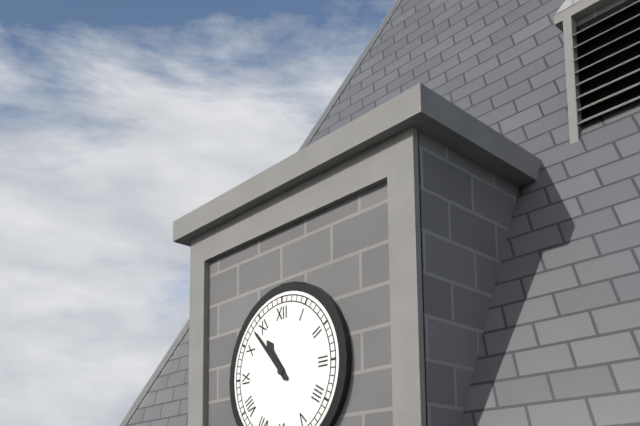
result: 10 h 53 min
